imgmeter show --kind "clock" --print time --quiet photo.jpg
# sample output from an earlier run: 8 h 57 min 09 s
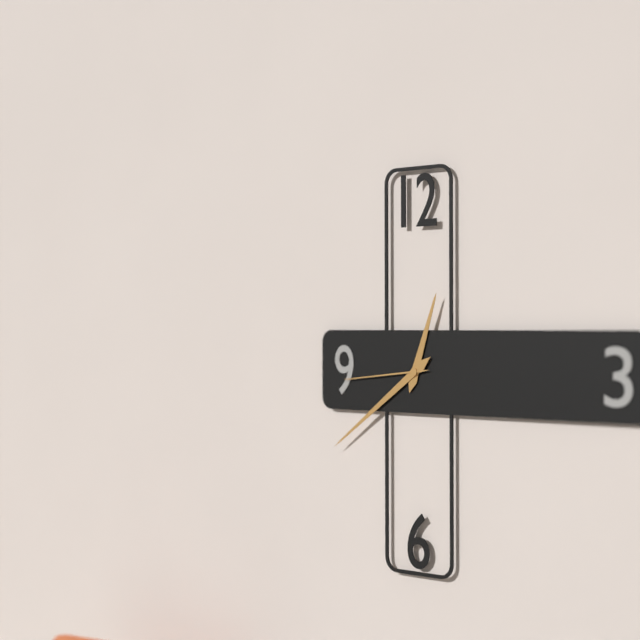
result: 12 h 39 min 44 s
